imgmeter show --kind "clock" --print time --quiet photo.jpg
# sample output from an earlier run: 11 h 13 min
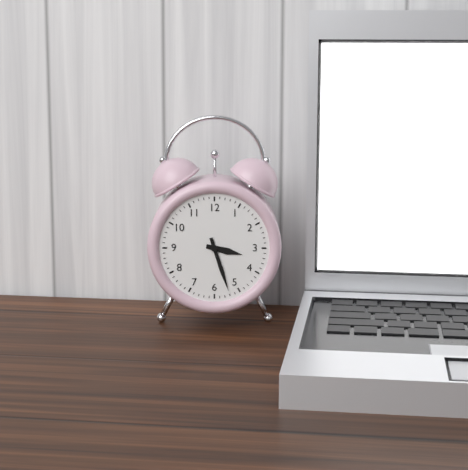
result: 3 h 27 min
